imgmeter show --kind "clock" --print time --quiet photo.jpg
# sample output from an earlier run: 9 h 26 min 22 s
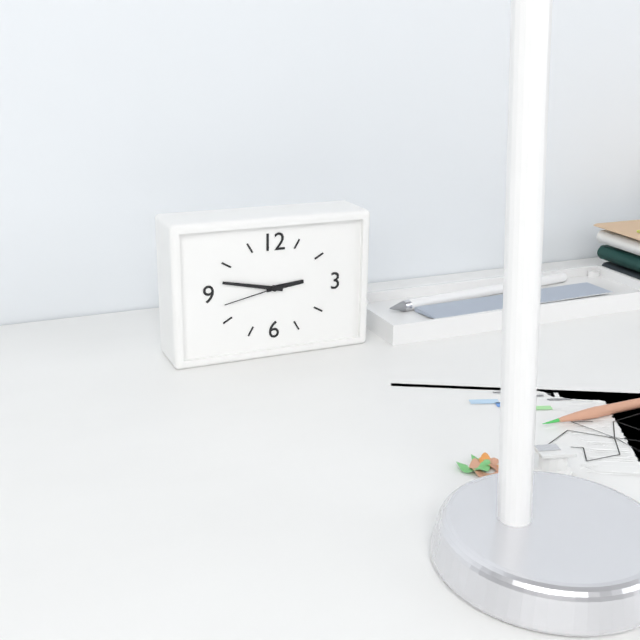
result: 2 h 47 min 43 s
